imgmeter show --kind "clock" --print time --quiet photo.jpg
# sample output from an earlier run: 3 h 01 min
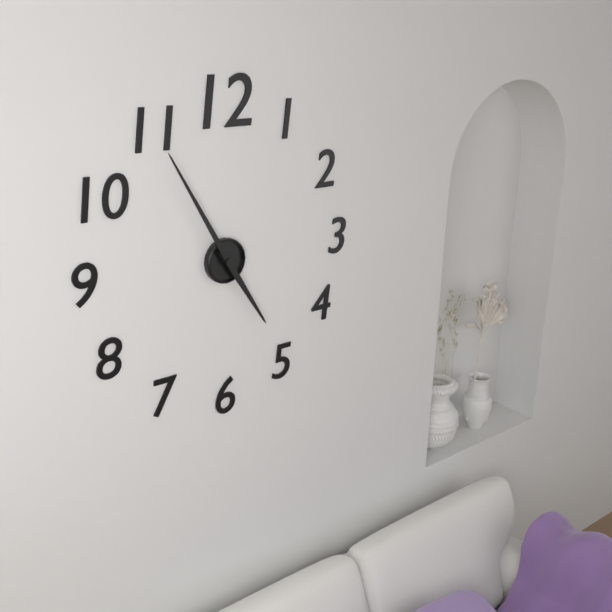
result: 4 h 55 min
